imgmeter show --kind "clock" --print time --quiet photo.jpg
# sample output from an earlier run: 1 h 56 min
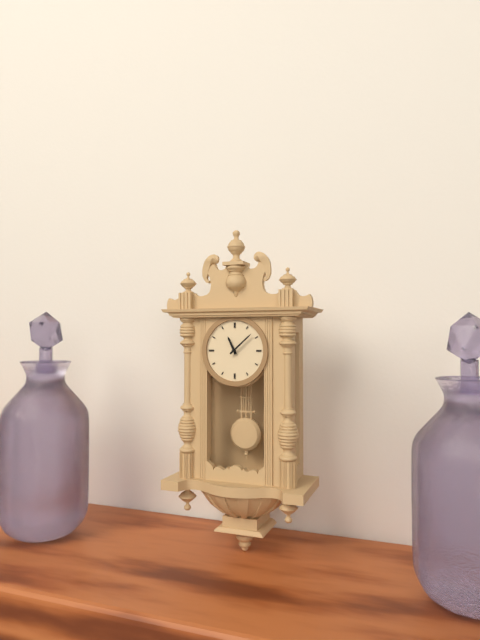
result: 11 h 08 min
